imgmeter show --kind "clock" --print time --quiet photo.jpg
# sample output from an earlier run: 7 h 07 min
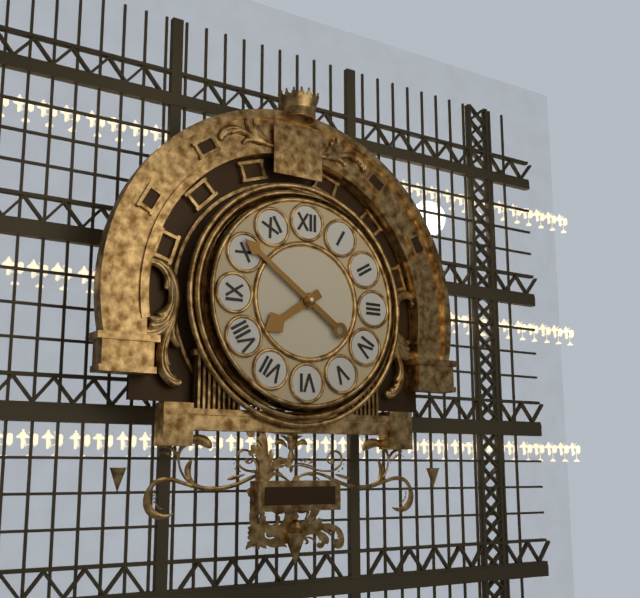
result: 7 h 51 min
